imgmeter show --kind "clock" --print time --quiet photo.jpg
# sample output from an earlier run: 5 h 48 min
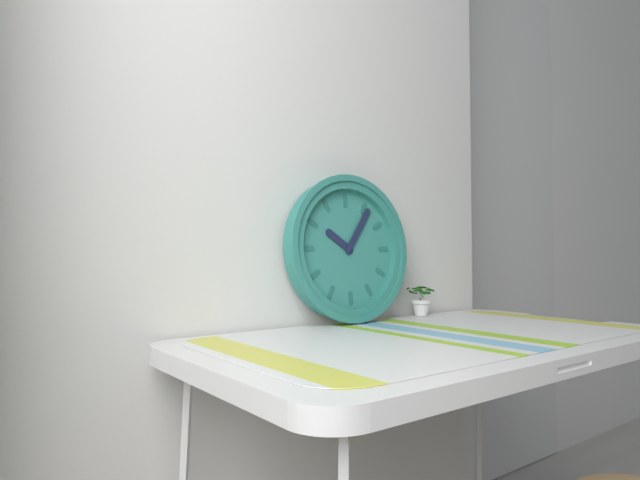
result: 10 h 06 min
